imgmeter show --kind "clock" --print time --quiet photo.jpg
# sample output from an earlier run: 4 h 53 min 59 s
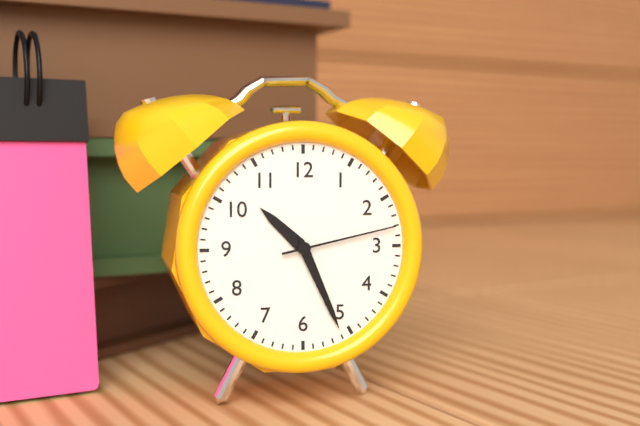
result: 10 h 26 min 13 s
